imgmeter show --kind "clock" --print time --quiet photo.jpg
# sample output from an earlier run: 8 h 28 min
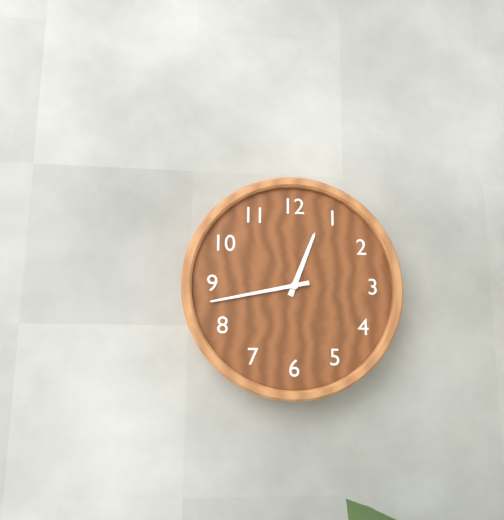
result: 12 h 43 min
